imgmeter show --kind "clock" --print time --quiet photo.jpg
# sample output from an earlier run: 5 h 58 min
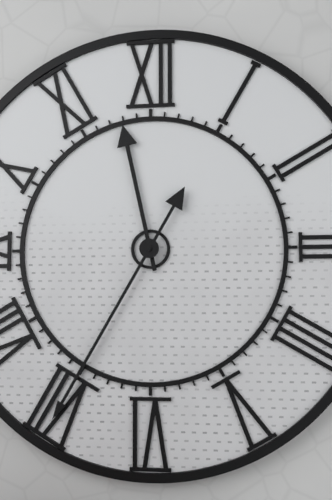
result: 11 h 35 min
